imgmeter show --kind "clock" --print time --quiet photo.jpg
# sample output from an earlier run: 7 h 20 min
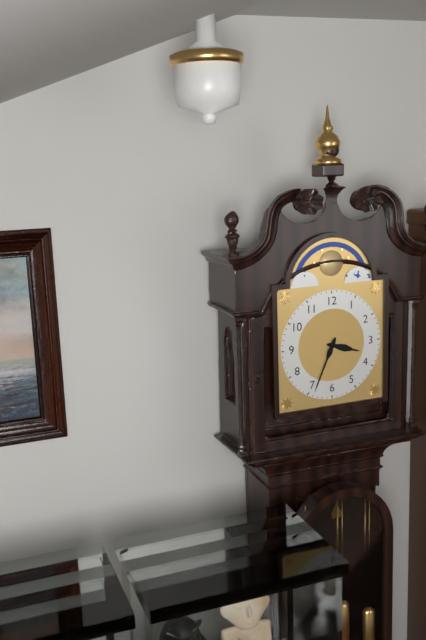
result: 3 h 34 min
